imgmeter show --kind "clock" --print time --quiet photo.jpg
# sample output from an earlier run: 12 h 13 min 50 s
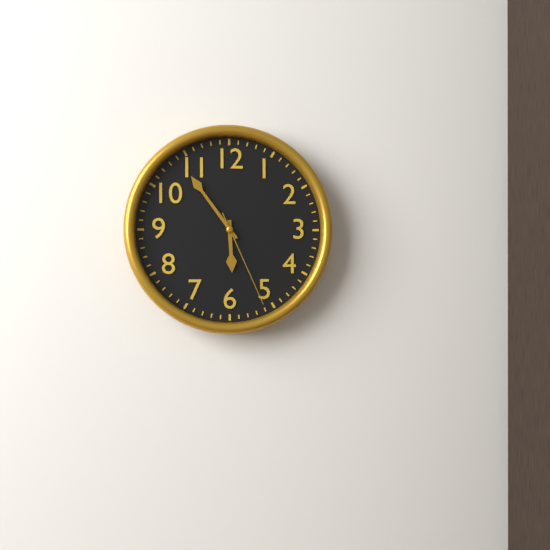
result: 5 h 54 min 26 s
